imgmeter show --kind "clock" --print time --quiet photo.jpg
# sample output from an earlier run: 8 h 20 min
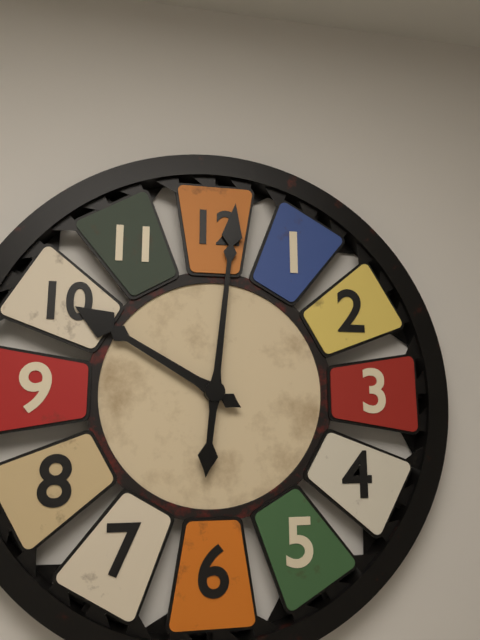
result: 10 h 01 min
